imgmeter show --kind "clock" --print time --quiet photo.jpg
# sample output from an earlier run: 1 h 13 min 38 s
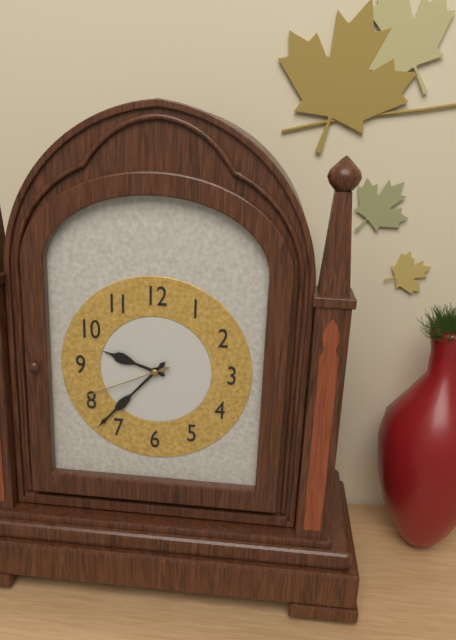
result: 9 h 37 min 41 s
